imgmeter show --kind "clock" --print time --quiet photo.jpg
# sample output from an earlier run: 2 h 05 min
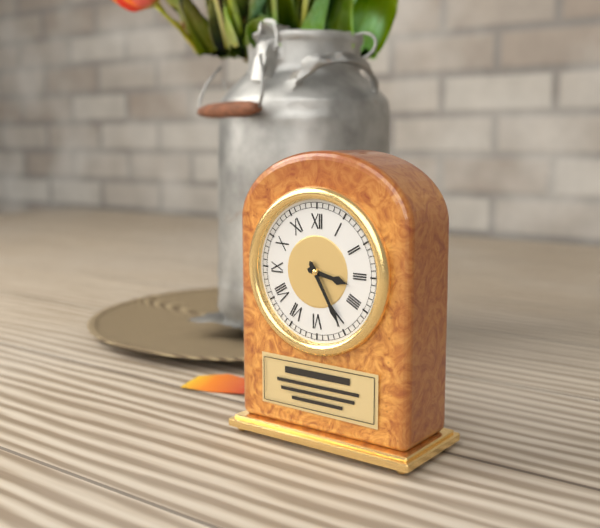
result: 3 h 25 min
